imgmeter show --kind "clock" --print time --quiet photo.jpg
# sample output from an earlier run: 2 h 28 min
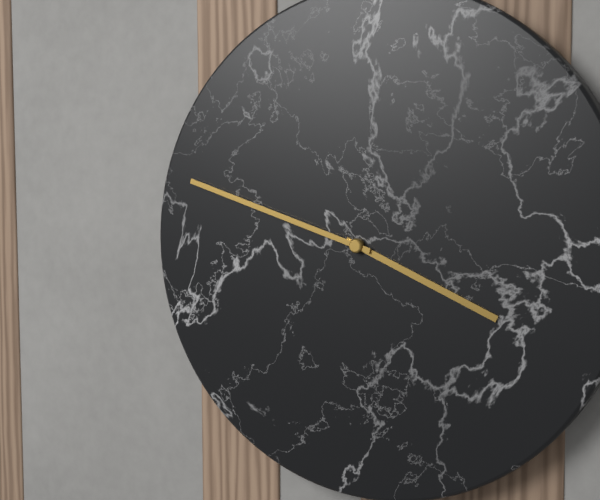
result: 3 h 48 min
